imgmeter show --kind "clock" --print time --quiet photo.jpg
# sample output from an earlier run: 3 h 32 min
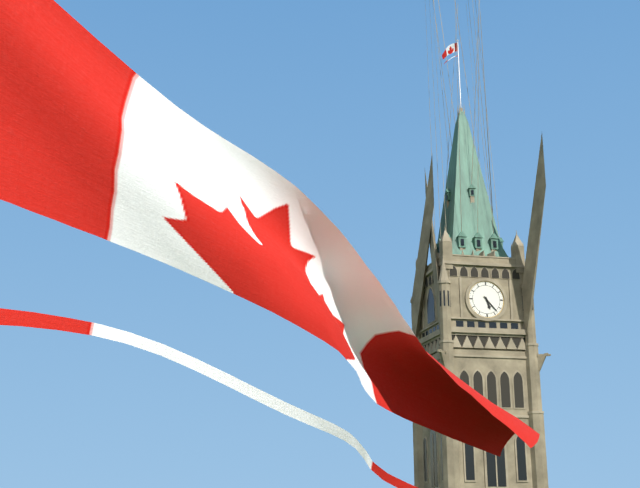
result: 5 h 23 min
